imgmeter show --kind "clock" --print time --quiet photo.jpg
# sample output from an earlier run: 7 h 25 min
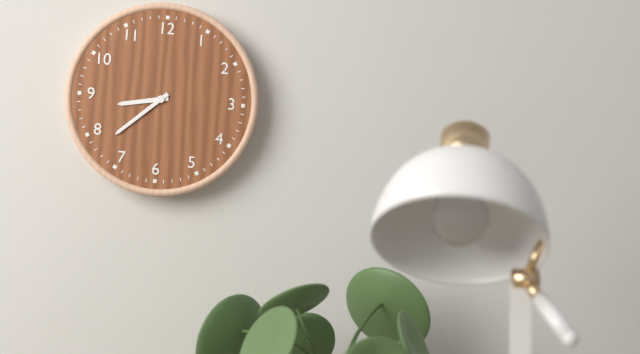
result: 8 h 38 min
